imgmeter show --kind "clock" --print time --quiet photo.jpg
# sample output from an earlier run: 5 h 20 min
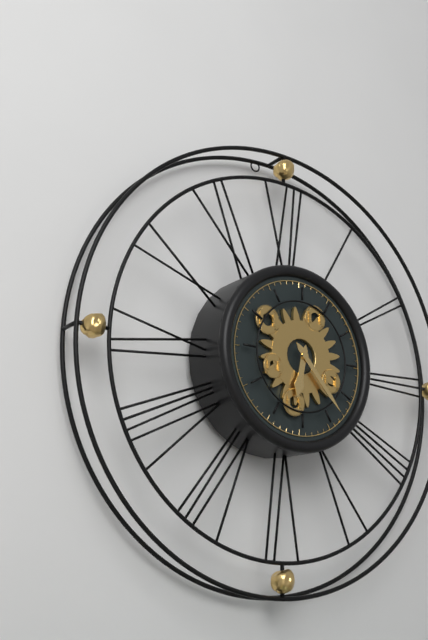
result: 6 h 23 min
